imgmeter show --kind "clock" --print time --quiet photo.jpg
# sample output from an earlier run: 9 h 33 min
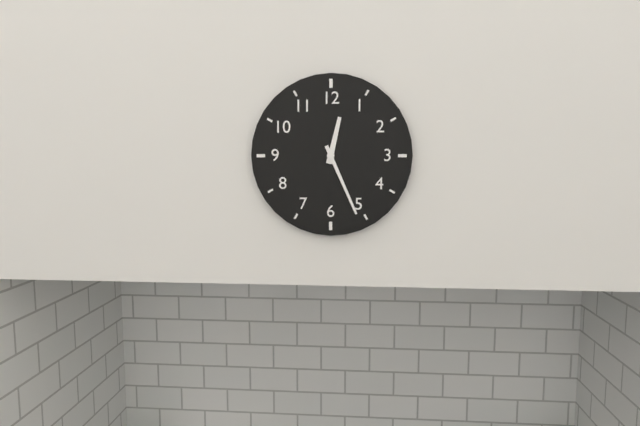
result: 12 h 26 min
